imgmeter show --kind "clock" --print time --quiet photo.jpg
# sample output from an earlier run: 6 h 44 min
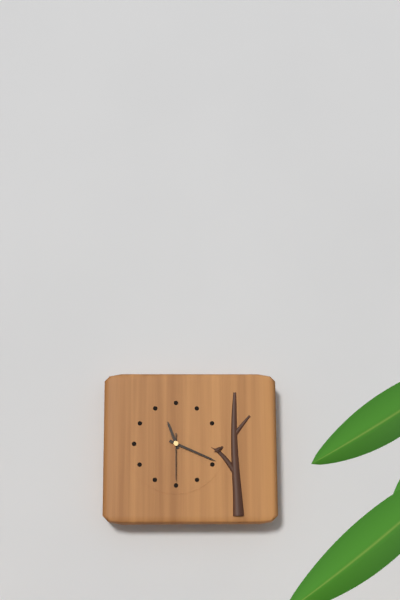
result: 11 h 19 min
